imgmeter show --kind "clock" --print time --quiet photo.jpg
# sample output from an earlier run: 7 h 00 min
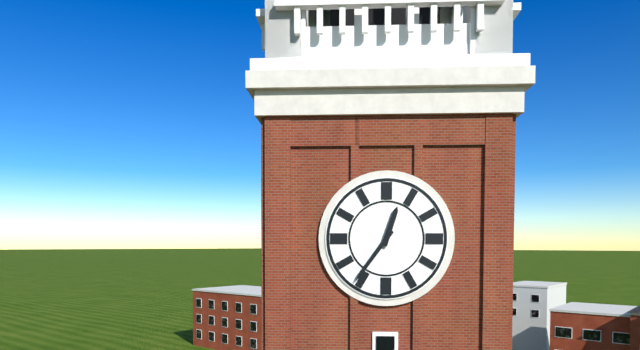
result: 12 h 36 min
